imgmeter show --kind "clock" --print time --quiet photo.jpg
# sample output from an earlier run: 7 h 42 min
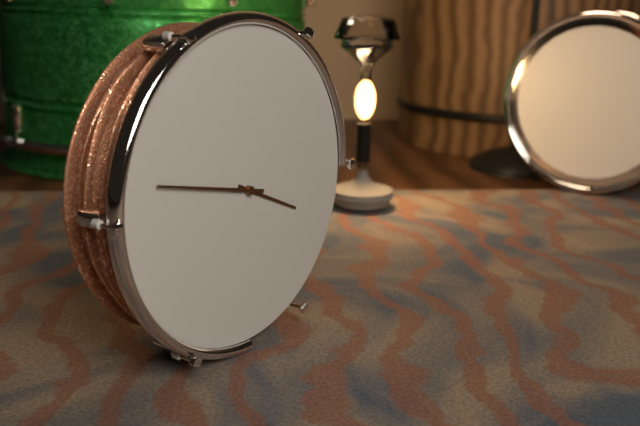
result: 3 h 47 min
